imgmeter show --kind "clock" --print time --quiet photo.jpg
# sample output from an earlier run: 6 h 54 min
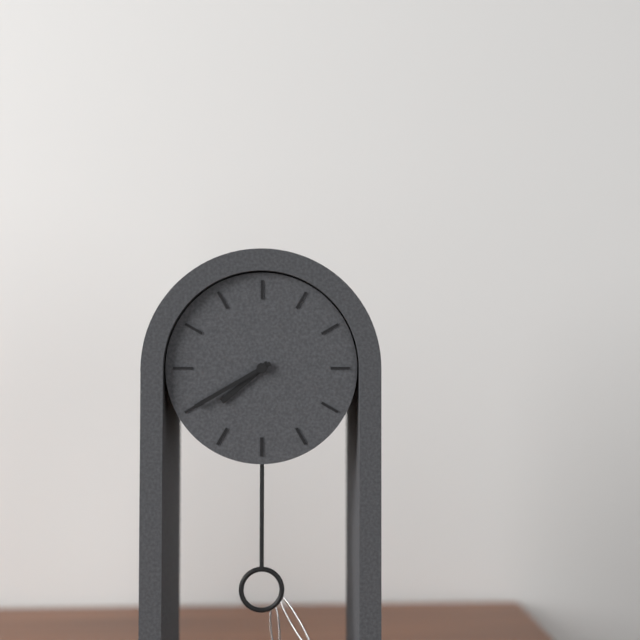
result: 7 h 40 min
